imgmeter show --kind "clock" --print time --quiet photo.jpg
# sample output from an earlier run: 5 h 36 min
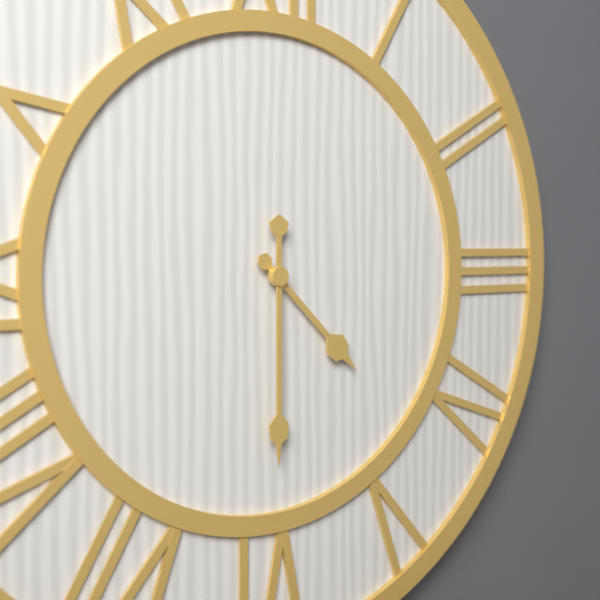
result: 4 h 30 min
